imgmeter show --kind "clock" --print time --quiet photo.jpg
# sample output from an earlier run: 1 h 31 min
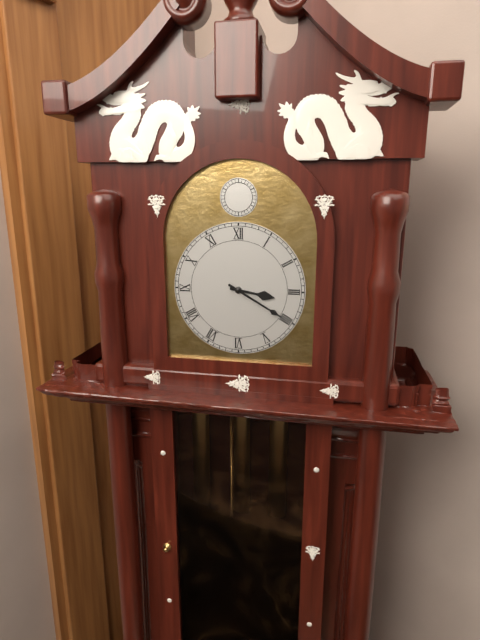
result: 3 h 20 min
